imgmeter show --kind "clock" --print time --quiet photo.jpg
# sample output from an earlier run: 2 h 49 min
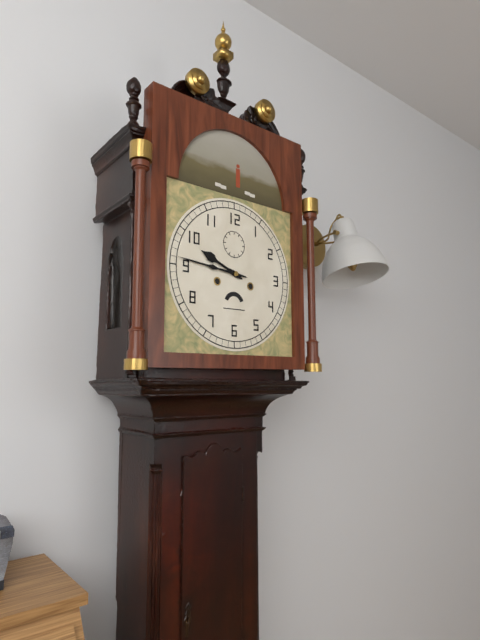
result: 9 h 46 min
